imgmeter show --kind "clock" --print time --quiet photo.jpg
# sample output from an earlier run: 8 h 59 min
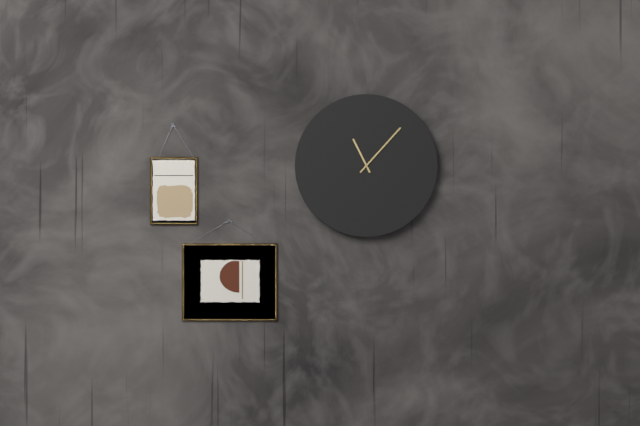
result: 11 h 07 min
